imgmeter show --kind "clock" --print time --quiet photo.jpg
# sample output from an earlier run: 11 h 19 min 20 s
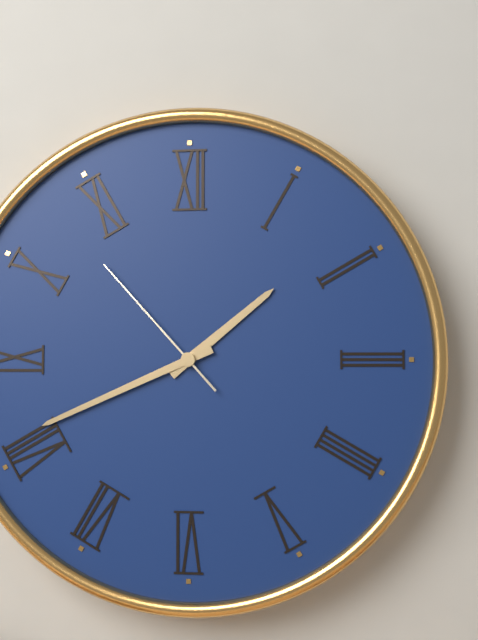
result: 1 h 41 min 53 s
